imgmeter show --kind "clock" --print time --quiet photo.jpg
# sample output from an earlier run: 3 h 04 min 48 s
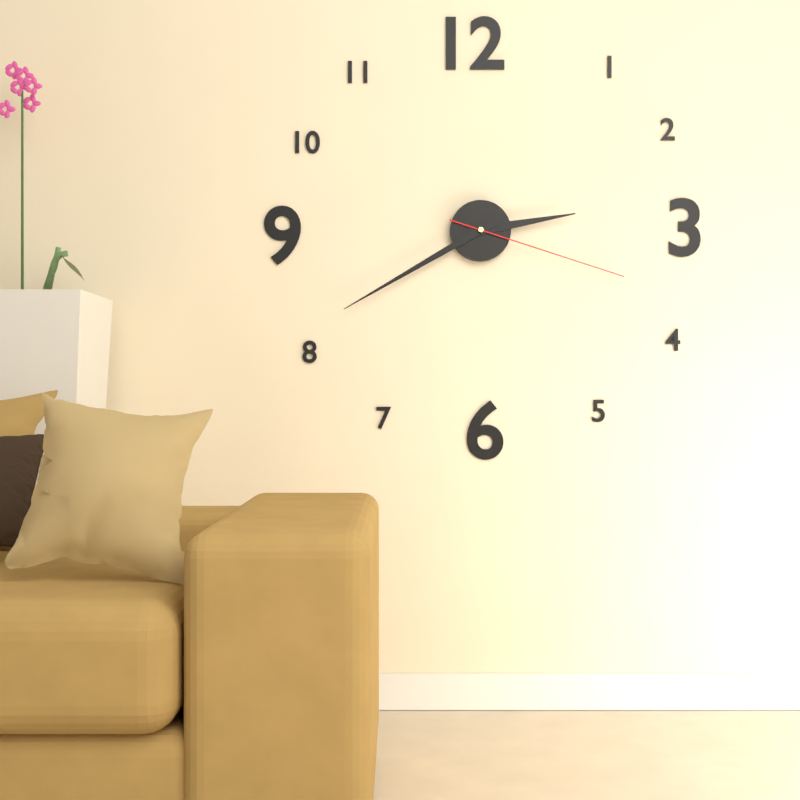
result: 2 h 40 min 18 s
